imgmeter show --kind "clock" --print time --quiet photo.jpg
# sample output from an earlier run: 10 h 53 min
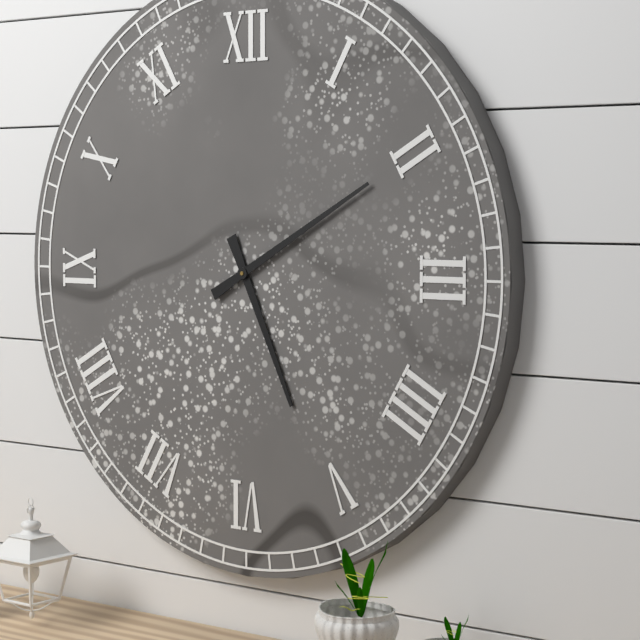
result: 5 h 10 min
